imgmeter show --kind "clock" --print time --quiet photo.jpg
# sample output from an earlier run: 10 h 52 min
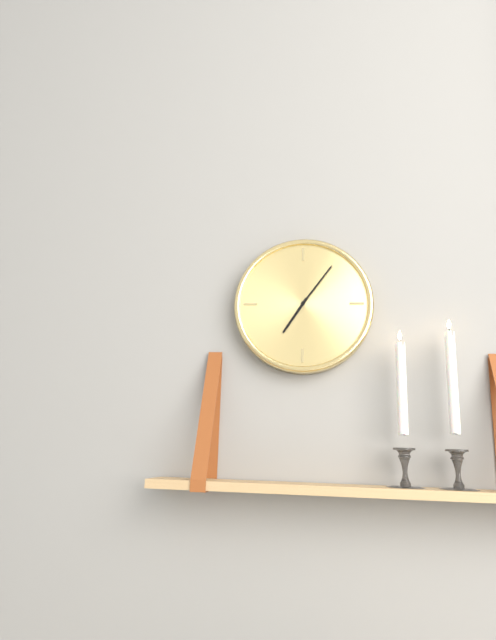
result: 7 h 06 min
